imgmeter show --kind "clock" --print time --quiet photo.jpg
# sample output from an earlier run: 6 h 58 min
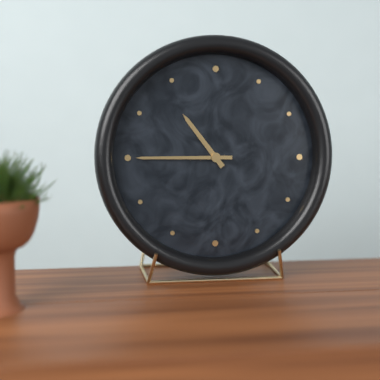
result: 10 h 45 min
